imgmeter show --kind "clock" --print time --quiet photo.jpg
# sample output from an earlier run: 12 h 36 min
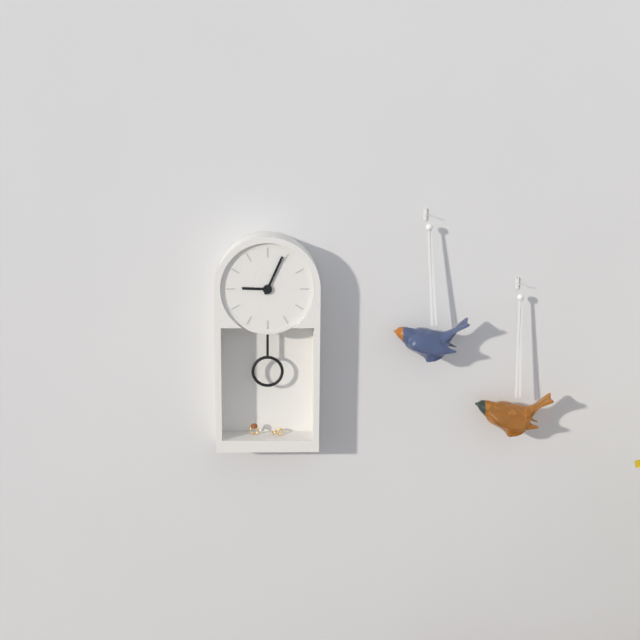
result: 9 h 04 min
